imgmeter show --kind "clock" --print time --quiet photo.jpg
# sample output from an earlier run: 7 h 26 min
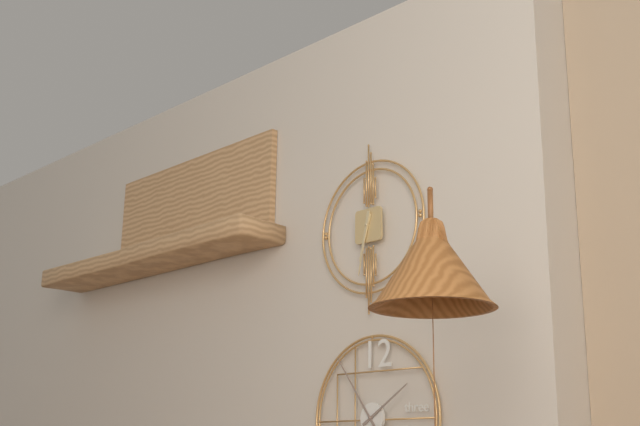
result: 6 h 32 min
